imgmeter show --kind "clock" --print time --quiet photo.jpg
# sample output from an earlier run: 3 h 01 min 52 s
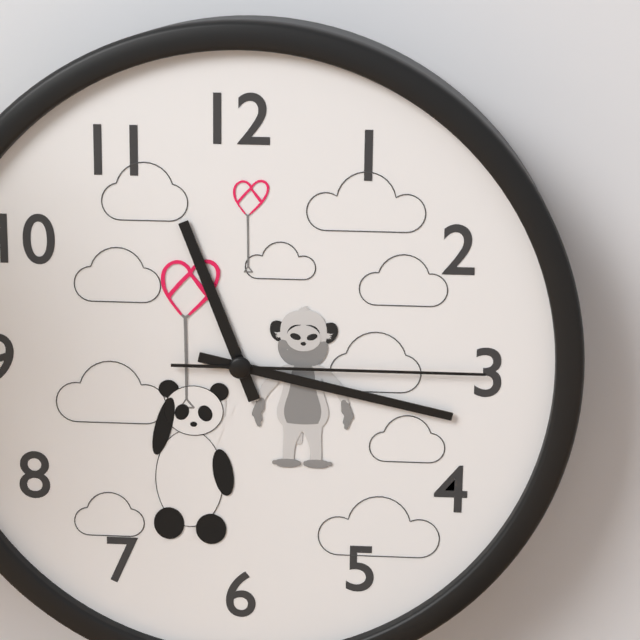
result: 11 h 17 min 15 s
